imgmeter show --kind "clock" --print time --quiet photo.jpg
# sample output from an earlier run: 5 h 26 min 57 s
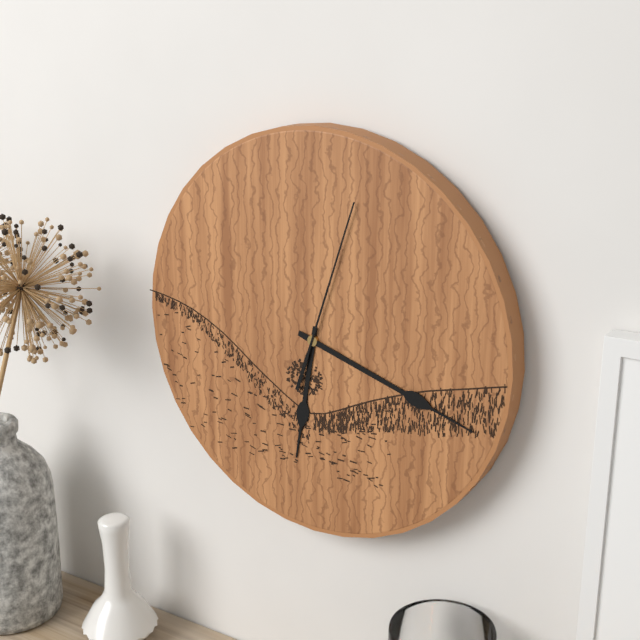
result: 6 h 18 min 03 s
